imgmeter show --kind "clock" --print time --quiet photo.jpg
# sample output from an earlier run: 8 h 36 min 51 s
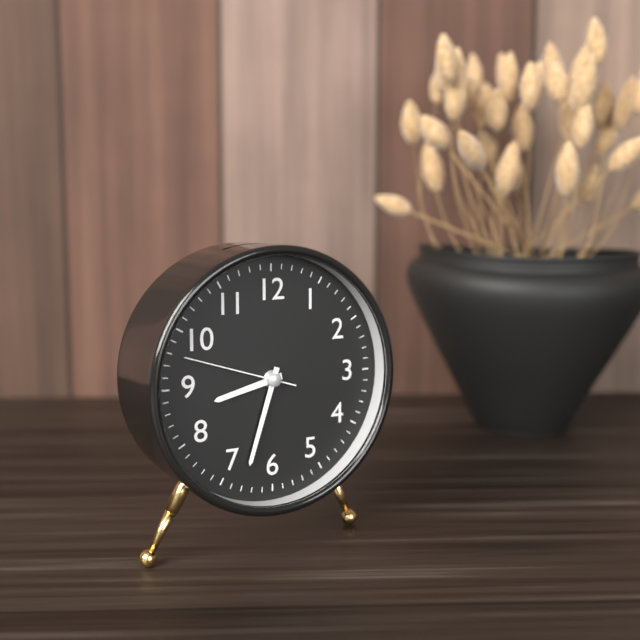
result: 8 h 33 min 48 s
